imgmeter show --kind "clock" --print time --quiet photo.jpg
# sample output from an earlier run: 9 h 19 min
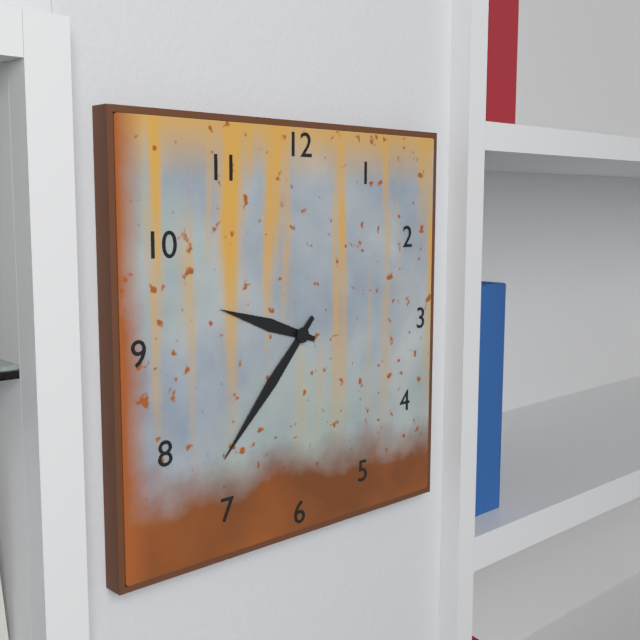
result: 9 h 37 min
